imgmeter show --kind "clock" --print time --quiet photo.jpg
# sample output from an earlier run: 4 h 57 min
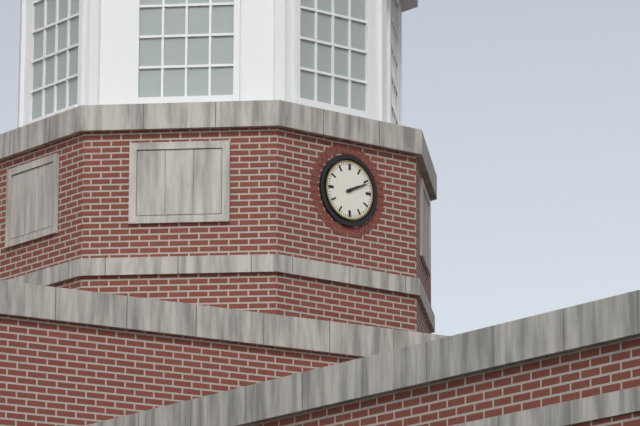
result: 2 h 11 min
